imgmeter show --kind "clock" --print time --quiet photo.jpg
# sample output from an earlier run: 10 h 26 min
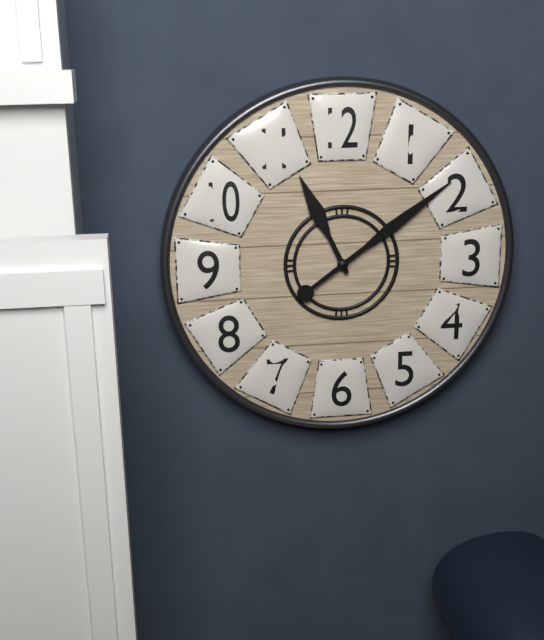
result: 11 h 09 min
